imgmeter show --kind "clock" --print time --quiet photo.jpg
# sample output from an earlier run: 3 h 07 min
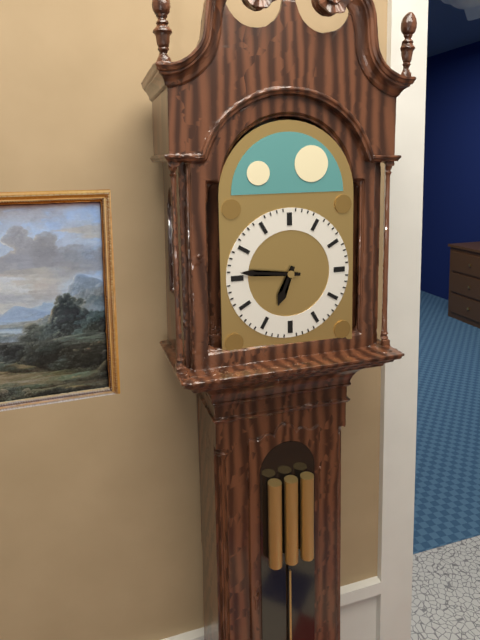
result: 6 h 46 min
